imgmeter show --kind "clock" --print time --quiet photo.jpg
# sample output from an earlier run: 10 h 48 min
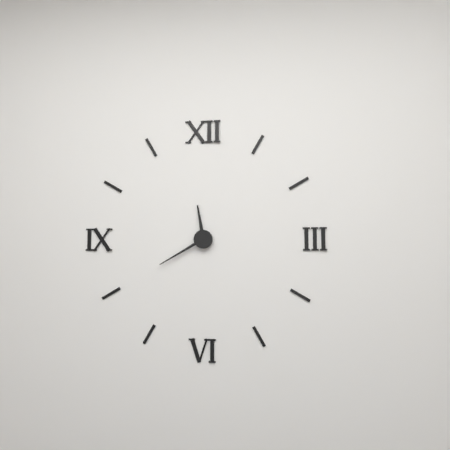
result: 11 h 40 min
